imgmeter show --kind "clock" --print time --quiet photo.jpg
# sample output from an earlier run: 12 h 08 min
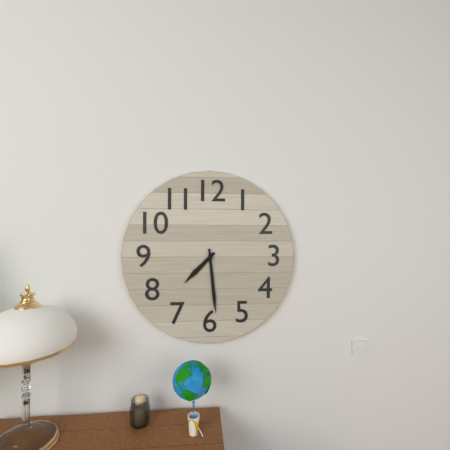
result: 7 h 29 min
